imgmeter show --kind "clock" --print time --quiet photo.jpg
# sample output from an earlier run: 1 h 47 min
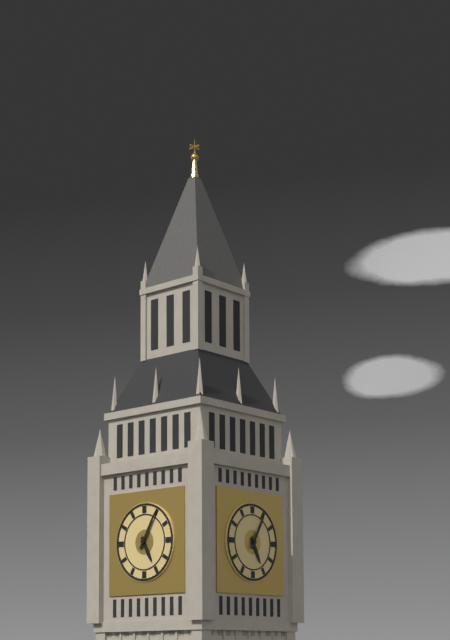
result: 5 h 05 min
